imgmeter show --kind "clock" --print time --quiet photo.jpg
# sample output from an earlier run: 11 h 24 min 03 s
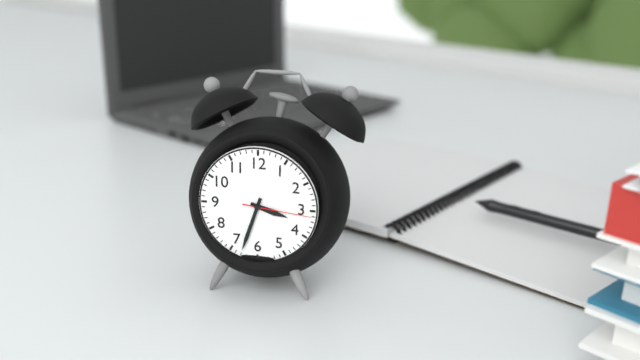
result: 3 h 33 min 16 s
